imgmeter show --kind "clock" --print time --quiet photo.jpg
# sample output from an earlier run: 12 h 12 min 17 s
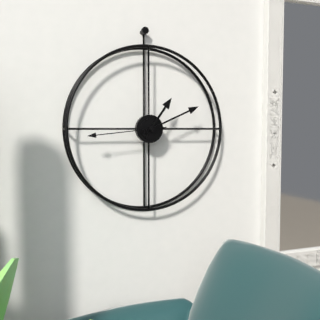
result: 1 h 11 min 44 s
